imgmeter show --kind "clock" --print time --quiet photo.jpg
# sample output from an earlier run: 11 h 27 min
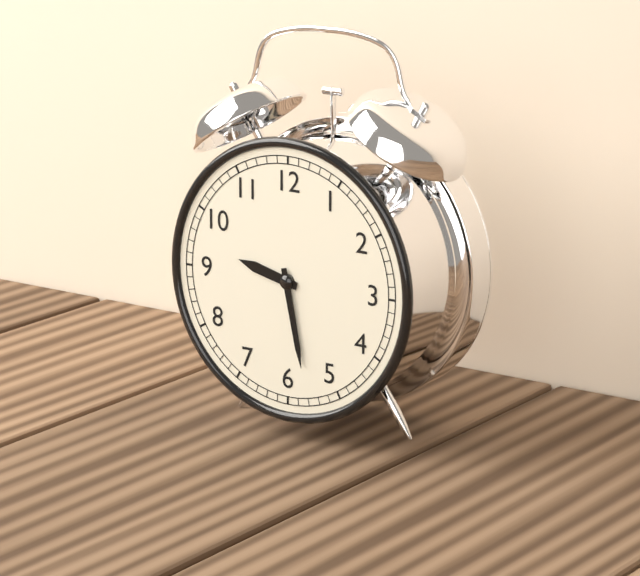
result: 9 h 28 min
